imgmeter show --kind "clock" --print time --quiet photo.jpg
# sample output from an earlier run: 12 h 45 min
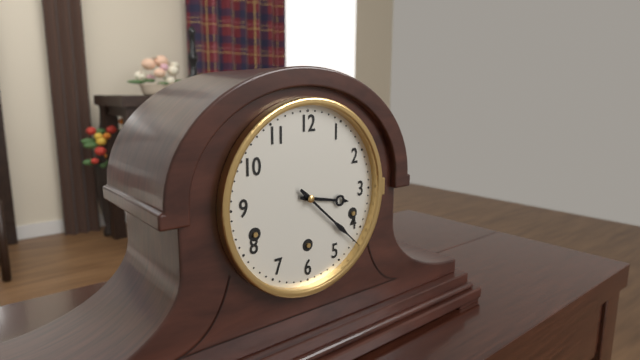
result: 3 h 22 min
